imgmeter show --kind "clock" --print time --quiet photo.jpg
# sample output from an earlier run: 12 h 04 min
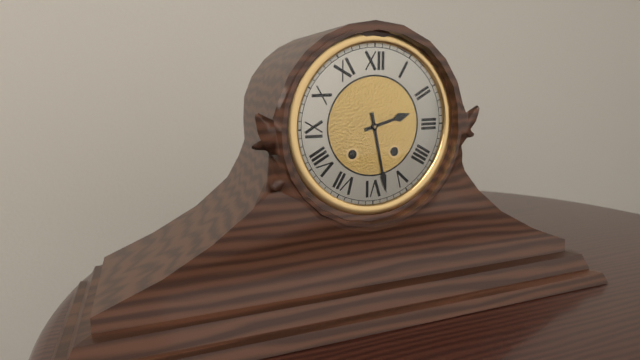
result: 2 h 28 min
